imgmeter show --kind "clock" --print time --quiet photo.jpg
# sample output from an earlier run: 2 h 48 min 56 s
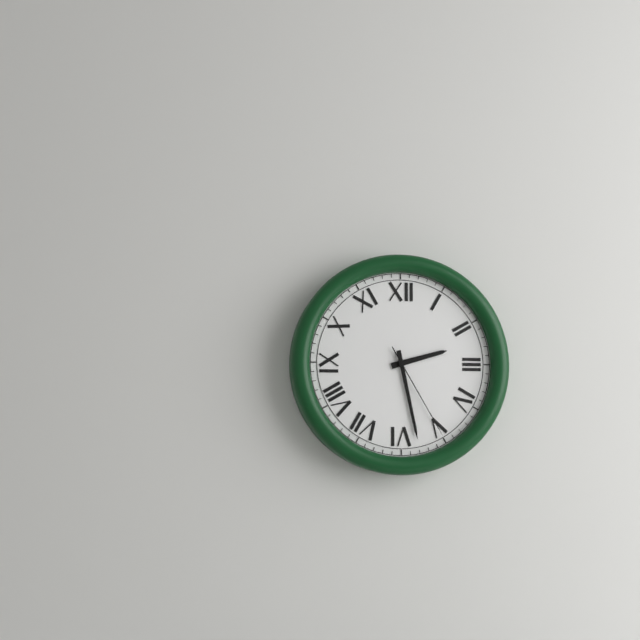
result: 2 h 28 min 25 s
